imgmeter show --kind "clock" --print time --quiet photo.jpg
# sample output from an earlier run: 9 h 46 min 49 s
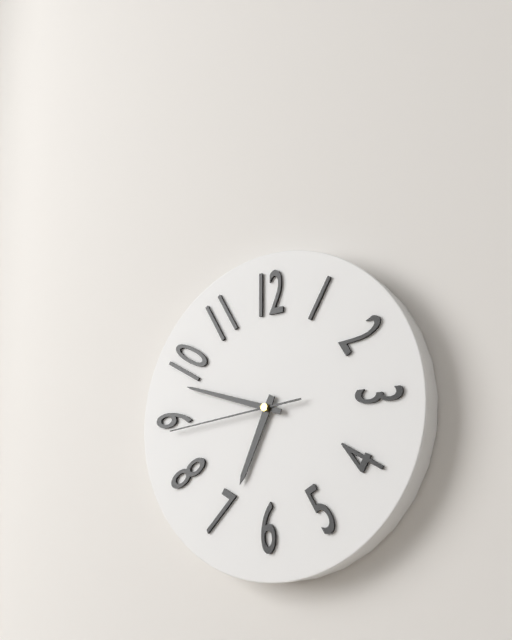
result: 6 h 48 min 44 s
